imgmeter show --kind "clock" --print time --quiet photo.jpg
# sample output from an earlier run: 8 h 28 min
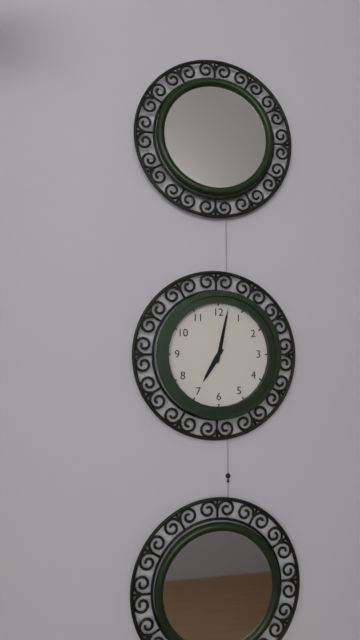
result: 7 h 02 min
